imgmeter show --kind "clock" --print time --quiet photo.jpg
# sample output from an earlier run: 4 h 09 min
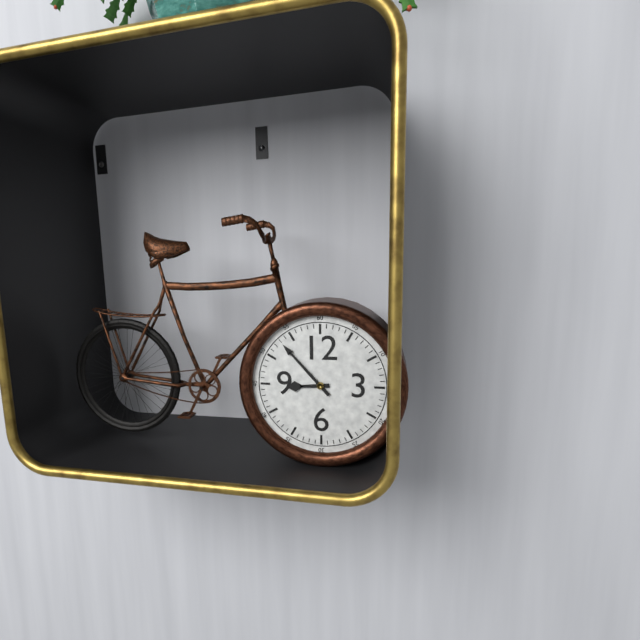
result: 8 h 53 min
